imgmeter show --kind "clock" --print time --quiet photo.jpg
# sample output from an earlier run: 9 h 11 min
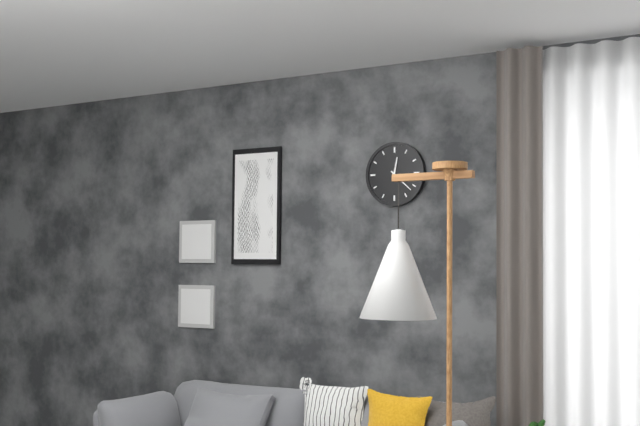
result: 12 h 22 min
